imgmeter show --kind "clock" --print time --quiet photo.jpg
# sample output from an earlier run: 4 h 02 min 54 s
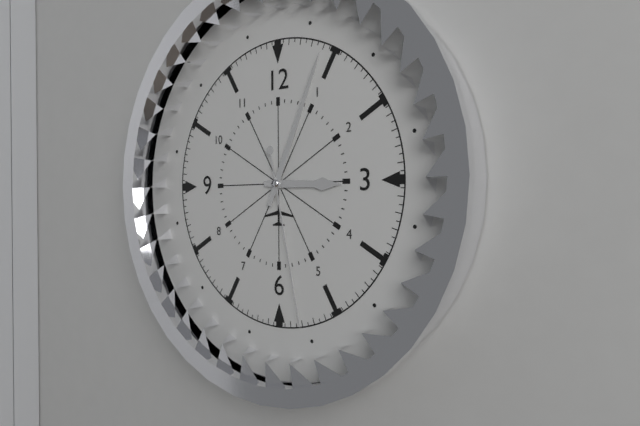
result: 3 h 04 min 28 s
